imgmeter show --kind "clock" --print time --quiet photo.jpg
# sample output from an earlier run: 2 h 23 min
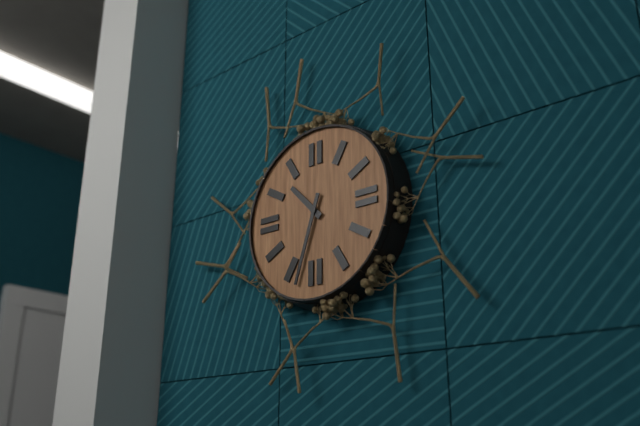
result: 10 h 33 min
